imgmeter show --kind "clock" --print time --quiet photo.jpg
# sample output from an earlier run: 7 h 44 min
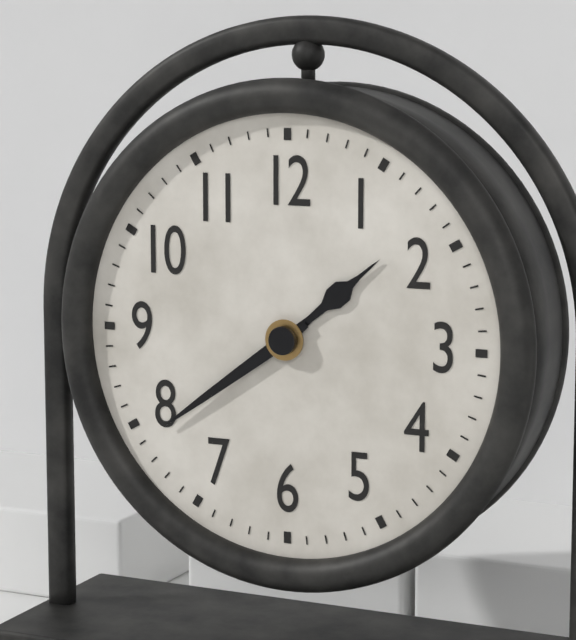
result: 1 h 39 min
